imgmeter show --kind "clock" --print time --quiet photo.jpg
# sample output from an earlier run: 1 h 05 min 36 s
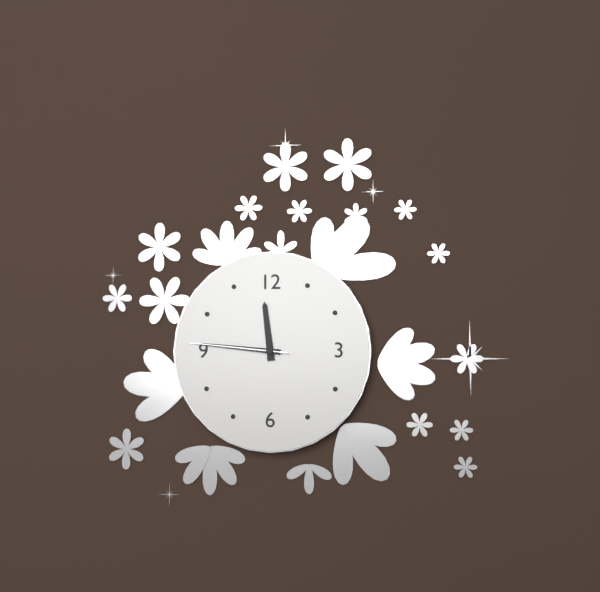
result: 11 h 46 min 46 s
